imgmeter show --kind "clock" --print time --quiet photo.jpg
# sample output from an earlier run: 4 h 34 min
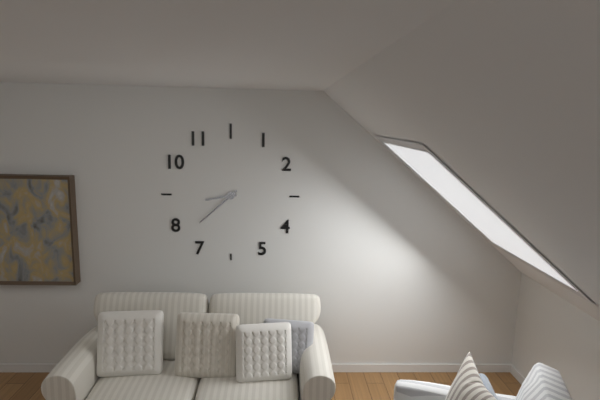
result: 8 h 38 min
